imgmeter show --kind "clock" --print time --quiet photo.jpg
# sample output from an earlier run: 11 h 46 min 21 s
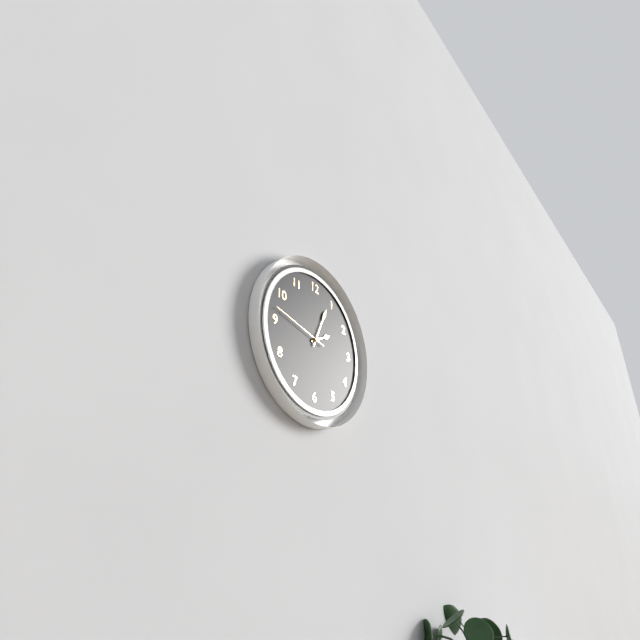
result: 2 h 04 min 47 s
